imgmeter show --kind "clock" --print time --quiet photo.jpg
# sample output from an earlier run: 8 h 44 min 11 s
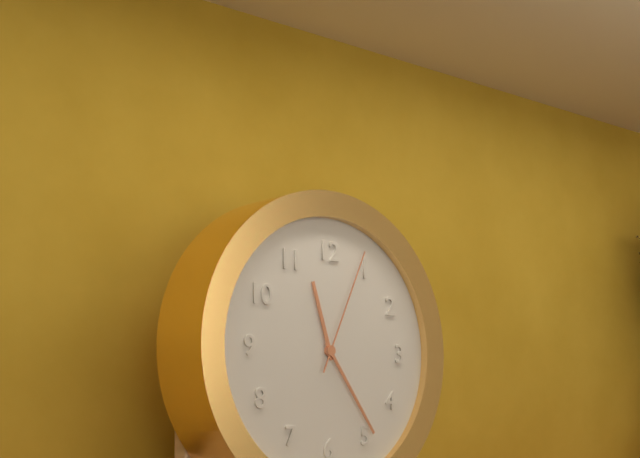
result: 11 h 24 min 04 s
